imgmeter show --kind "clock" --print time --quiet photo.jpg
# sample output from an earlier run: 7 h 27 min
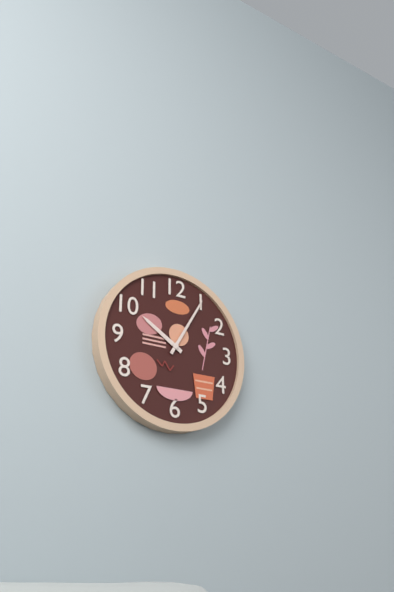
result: 10 h 05 min
